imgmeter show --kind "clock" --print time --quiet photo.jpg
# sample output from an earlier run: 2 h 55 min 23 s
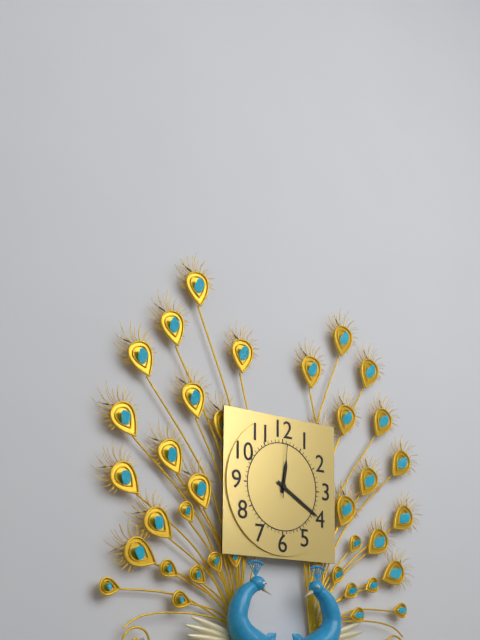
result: 12 h 20 min 01 s
